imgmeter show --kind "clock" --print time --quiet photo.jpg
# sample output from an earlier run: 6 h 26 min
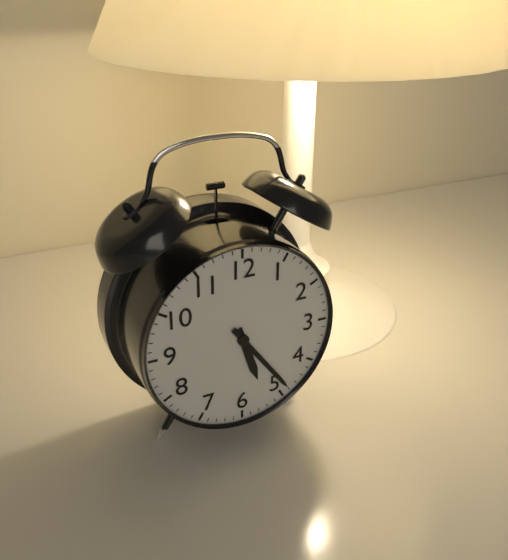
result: 5 h 24 min
